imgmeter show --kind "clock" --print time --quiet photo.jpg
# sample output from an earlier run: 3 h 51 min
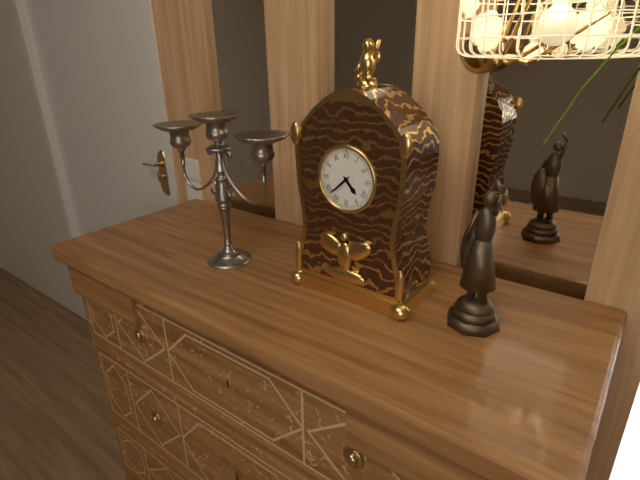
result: 4 h 38 min
